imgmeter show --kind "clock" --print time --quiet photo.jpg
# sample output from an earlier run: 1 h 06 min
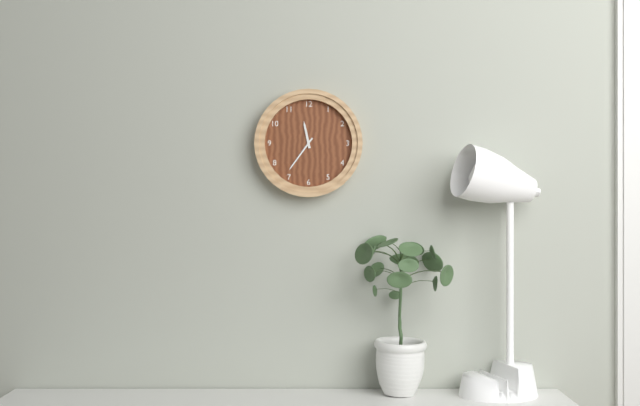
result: 11 h 36 min
